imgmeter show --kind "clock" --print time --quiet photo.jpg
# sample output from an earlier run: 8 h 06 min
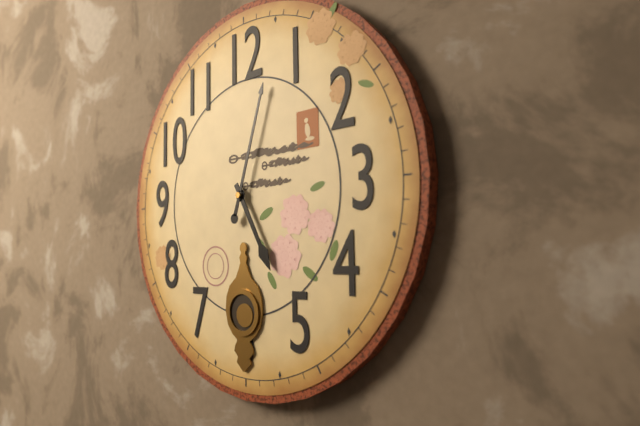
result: 5 h 03 min
